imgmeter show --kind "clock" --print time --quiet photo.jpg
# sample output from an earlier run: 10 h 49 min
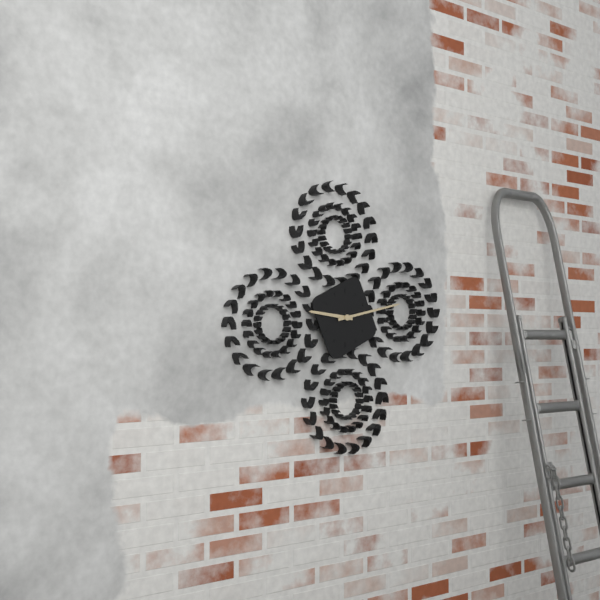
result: 9 h 13 min
